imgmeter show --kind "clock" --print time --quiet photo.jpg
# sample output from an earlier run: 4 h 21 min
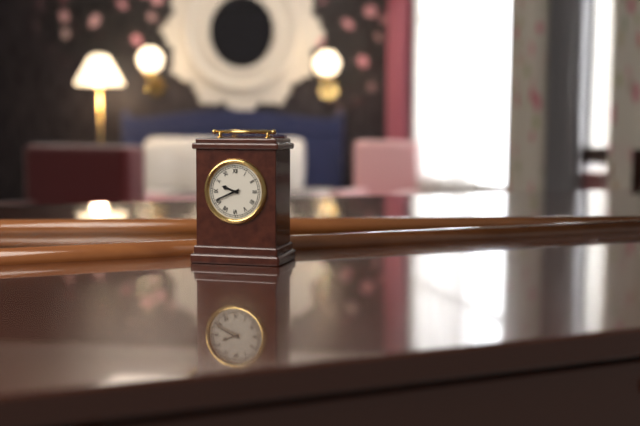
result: 9 h 41 min
